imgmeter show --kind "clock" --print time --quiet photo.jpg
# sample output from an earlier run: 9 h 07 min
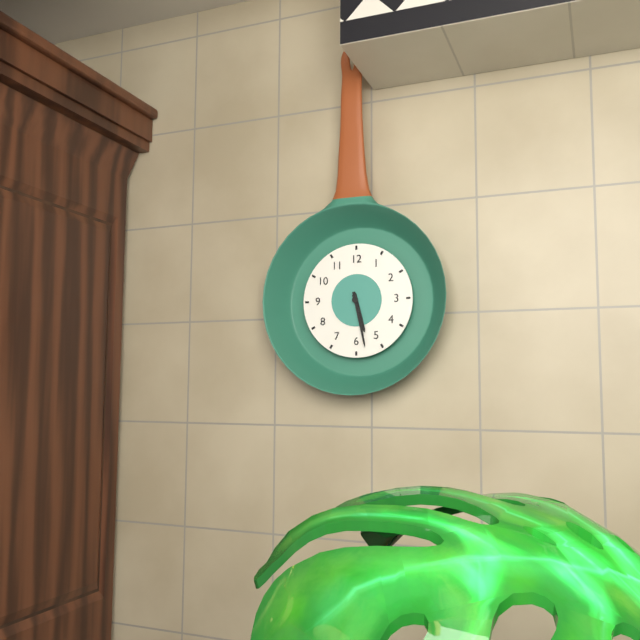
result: 5 h 28 min
